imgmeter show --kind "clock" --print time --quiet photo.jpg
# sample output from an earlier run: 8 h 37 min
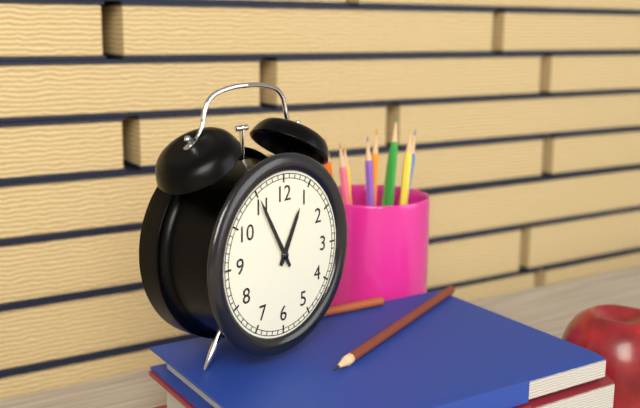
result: 12 h 55 min
